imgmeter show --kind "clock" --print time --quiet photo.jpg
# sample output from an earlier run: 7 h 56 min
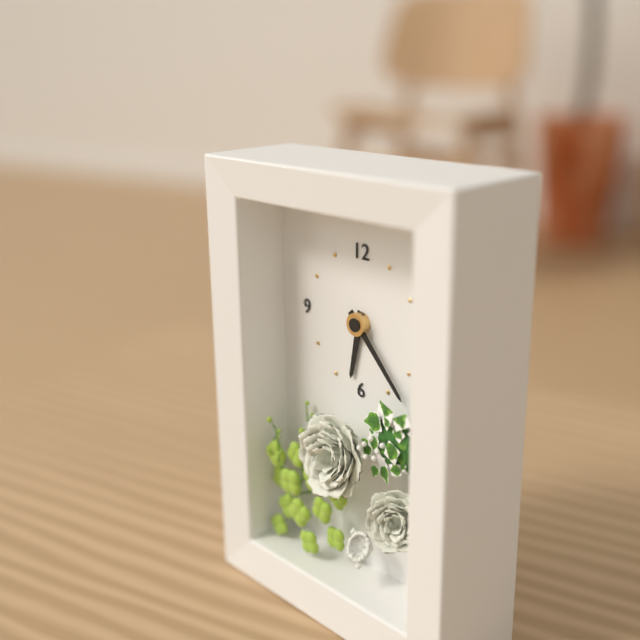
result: 6 h 23 min
